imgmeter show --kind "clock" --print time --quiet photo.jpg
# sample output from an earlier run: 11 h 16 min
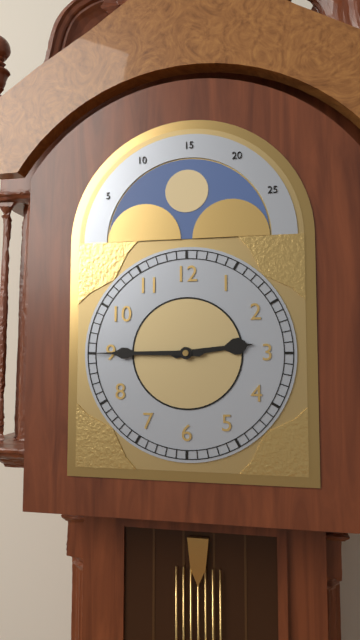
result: 2 h 45 min
